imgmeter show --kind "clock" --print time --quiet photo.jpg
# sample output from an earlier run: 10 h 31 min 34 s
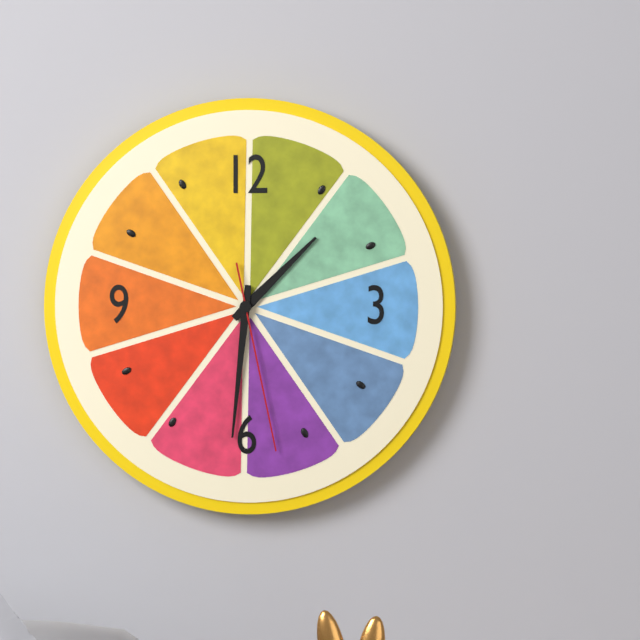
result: 1 h 31 min 28 s
